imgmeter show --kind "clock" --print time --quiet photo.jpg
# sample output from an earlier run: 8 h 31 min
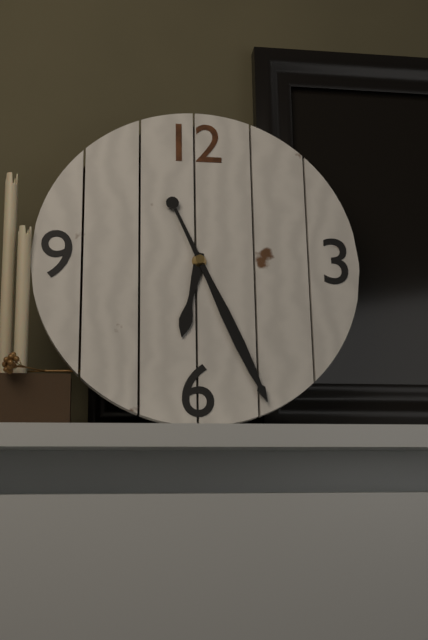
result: 6 h 26 min
